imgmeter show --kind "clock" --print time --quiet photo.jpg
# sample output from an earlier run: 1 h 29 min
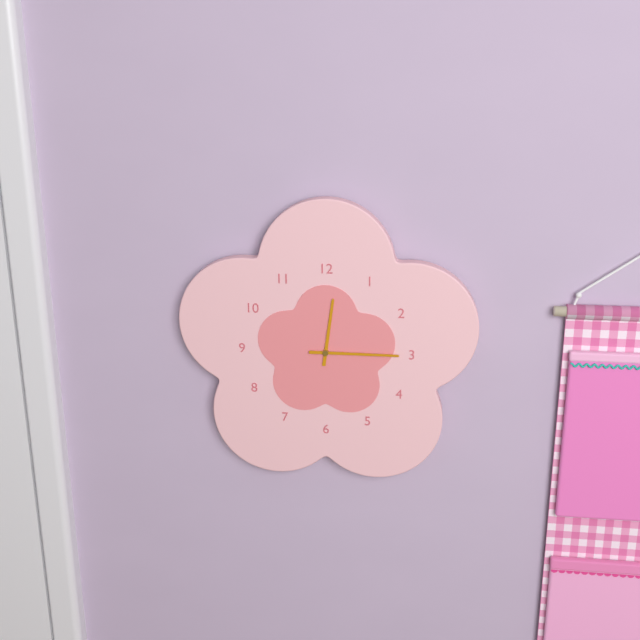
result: 12 h 15 min
